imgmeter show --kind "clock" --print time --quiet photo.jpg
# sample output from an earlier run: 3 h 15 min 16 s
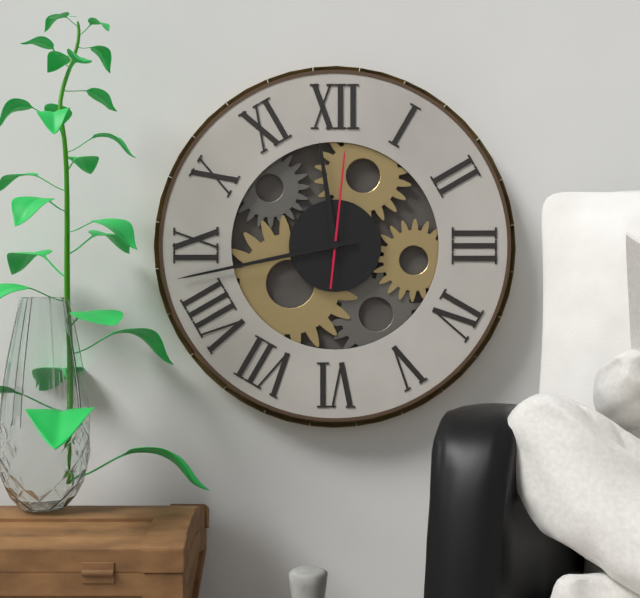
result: 11 h 43 min 01 s
